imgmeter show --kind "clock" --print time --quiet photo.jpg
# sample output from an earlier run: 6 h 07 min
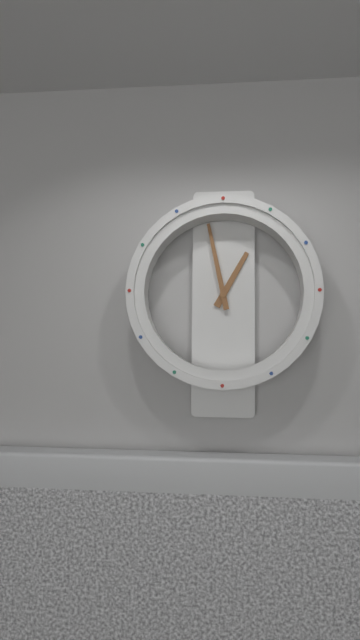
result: 12 h 58 min
